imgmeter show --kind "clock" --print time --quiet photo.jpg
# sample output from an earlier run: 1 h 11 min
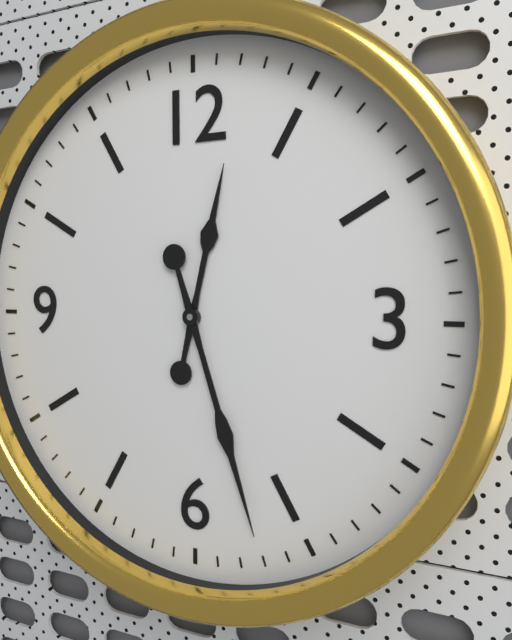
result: 12 h 27 min
